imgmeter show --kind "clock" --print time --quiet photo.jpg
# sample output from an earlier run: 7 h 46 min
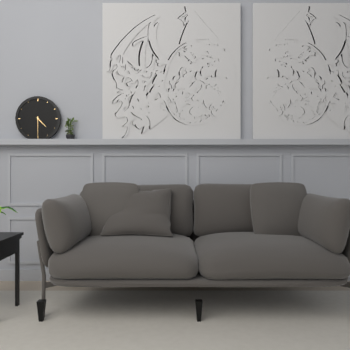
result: 4 h 30 min
